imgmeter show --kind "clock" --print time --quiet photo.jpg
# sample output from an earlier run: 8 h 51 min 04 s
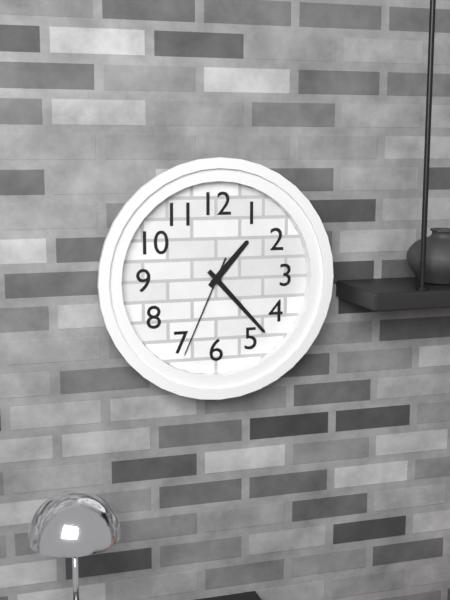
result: 1 h 23 min 34 s
